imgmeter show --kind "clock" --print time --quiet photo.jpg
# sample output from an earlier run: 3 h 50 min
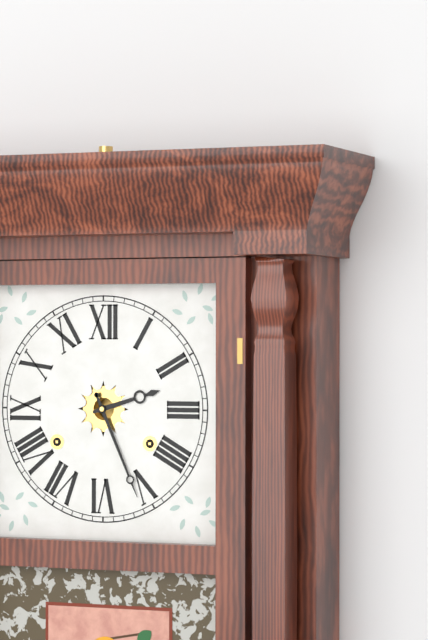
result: 2 h 26 min
